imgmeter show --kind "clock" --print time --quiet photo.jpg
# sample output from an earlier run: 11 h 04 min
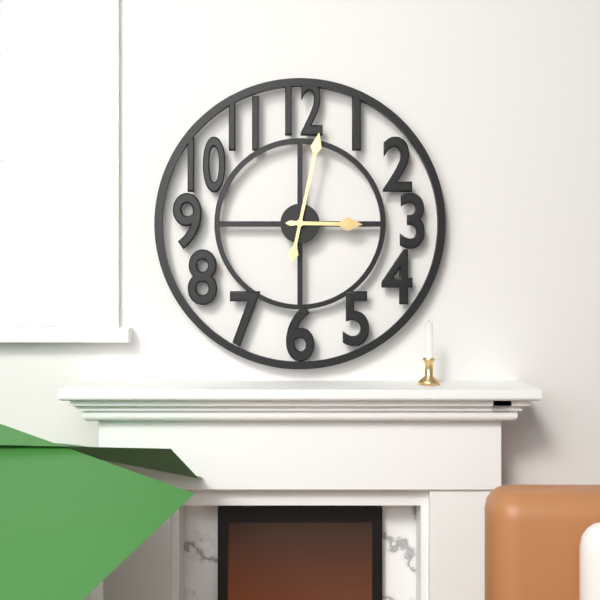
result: 3 h 02 min
